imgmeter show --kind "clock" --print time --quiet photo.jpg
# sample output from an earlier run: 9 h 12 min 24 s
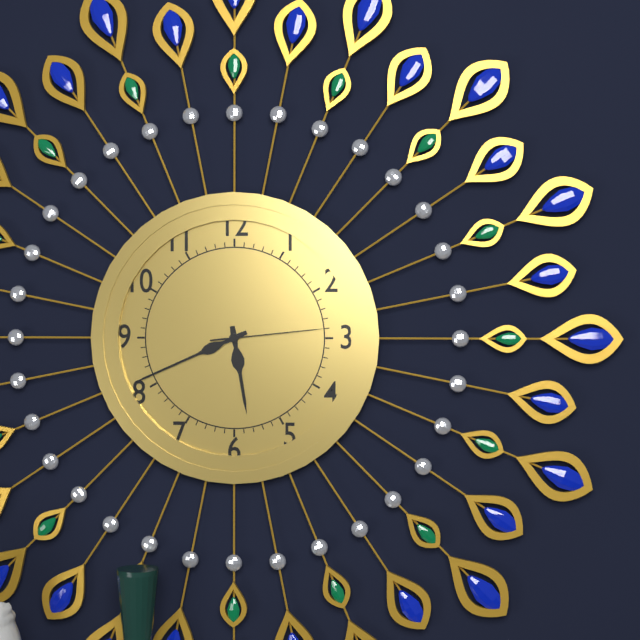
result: 5 h 41 min 14 s
